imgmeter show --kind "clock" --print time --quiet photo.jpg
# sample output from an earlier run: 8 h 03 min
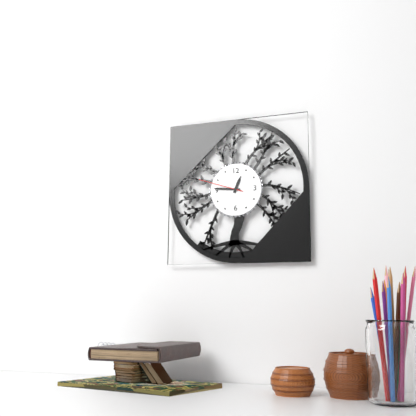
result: 12 h 46 min
